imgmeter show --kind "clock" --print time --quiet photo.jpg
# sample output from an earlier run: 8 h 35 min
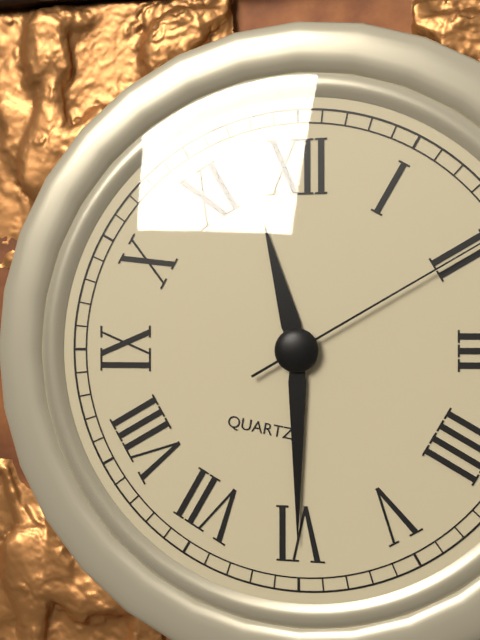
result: 11 h 30 min
